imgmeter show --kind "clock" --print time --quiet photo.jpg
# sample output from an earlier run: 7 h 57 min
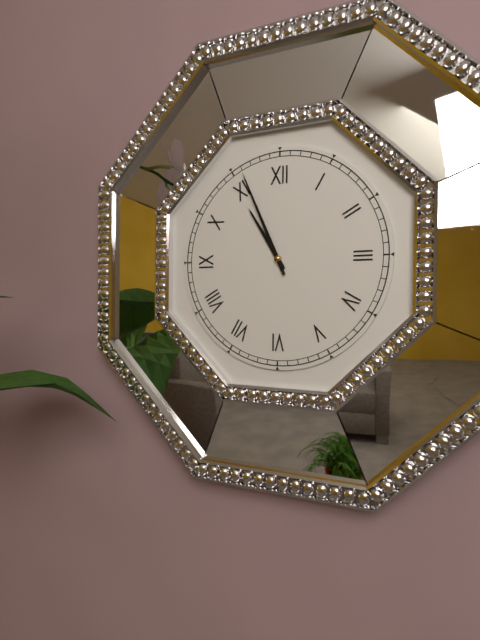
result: 10 h 56 min
